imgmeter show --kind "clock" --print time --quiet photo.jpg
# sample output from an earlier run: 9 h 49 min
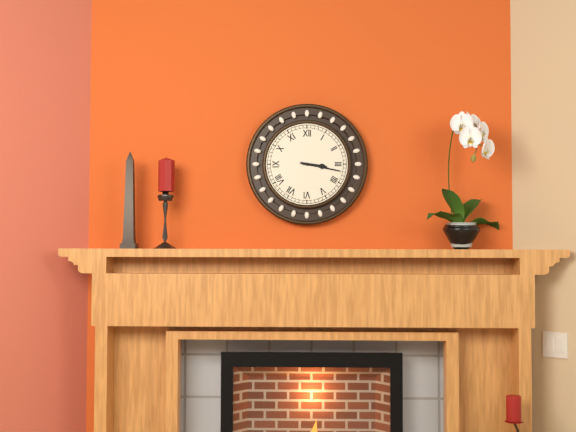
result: 3 h 17 min
